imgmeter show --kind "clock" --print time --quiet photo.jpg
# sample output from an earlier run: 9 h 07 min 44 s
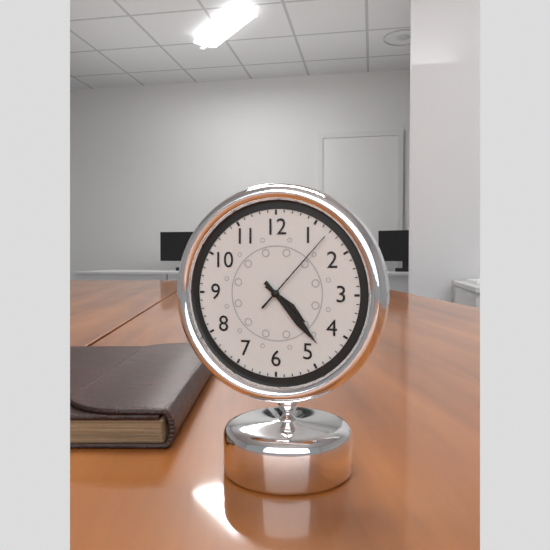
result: 4 h 23 min 07 s
